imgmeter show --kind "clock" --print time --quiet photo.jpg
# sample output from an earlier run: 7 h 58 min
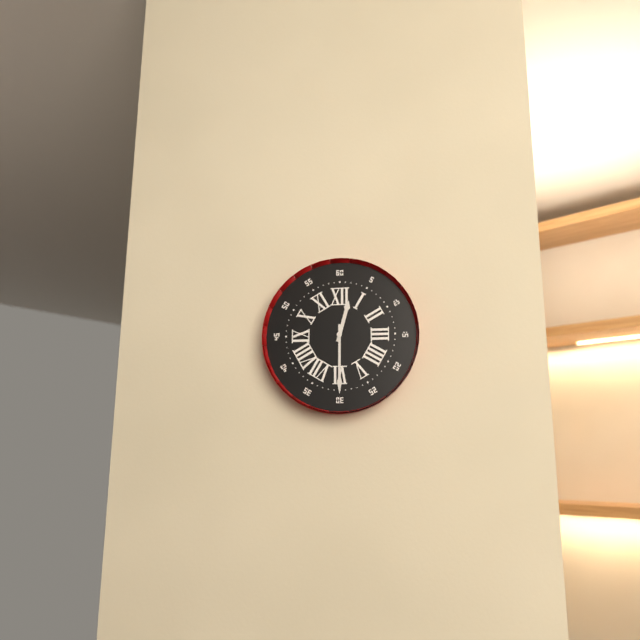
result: 12 h 30 min
